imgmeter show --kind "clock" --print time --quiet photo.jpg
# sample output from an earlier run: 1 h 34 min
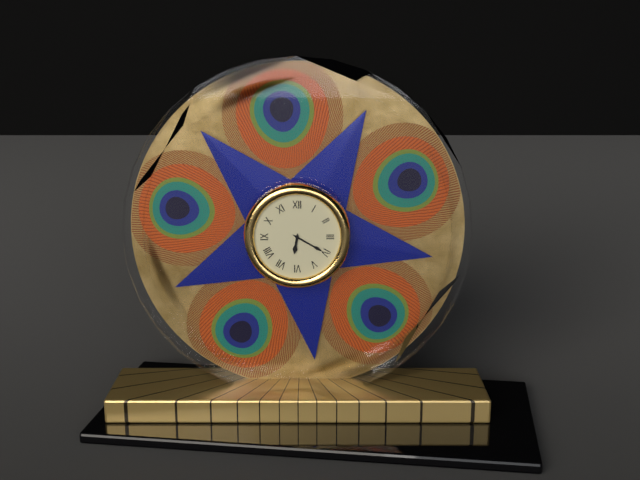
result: 6 h 20 min
